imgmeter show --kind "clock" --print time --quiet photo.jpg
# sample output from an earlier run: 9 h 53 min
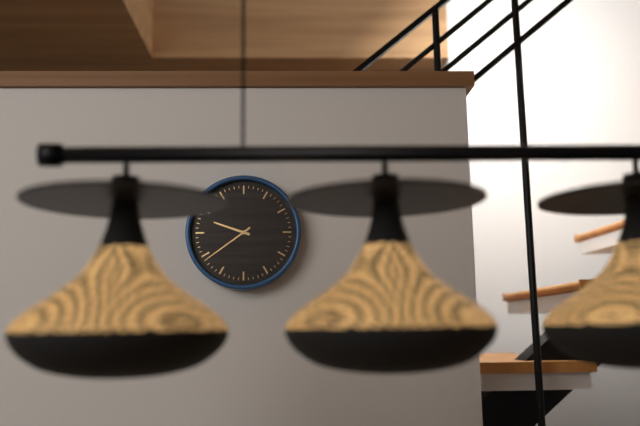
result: 9 h 39 min
